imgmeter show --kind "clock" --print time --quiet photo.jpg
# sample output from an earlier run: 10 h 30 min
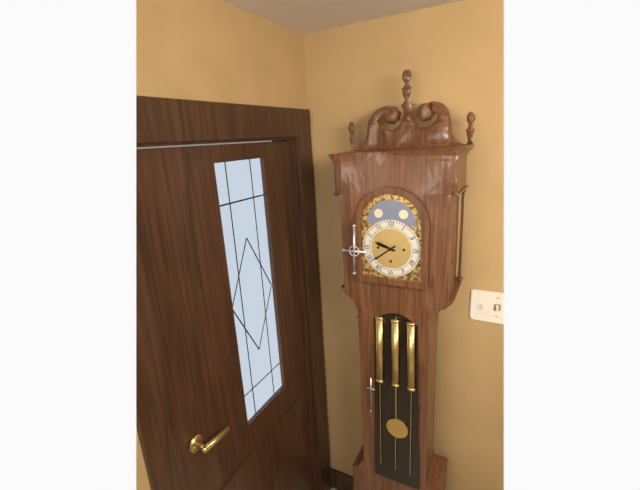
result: 9 h 39 min
